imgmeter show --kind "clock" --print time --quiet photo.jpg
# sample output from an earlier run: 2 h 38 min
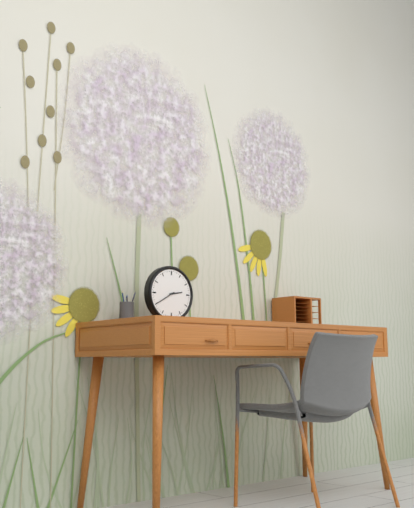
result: 2 h 40 min
